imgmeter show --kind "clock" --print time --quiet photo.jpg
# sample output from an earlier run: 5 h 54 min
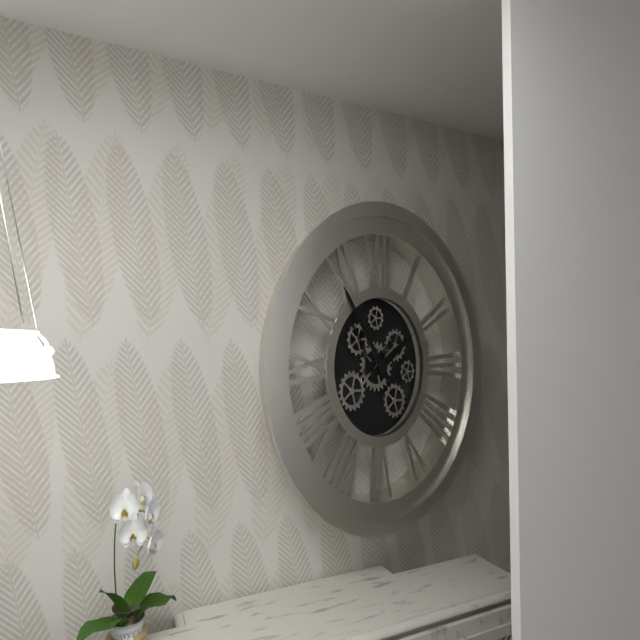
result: 1 h 54 min
